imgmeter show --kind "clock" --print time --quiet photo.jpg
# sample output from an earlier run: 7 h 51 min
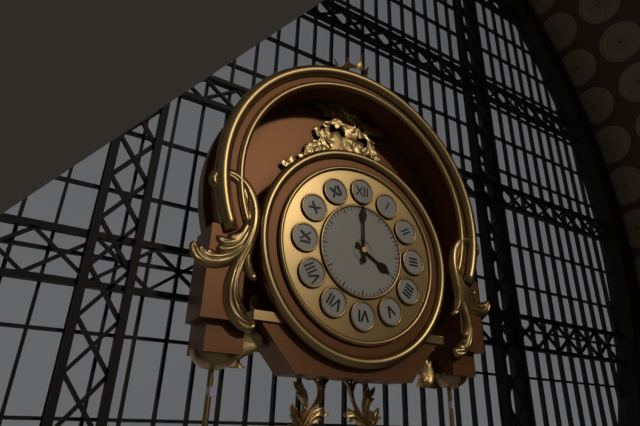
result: 4 h 00 min
